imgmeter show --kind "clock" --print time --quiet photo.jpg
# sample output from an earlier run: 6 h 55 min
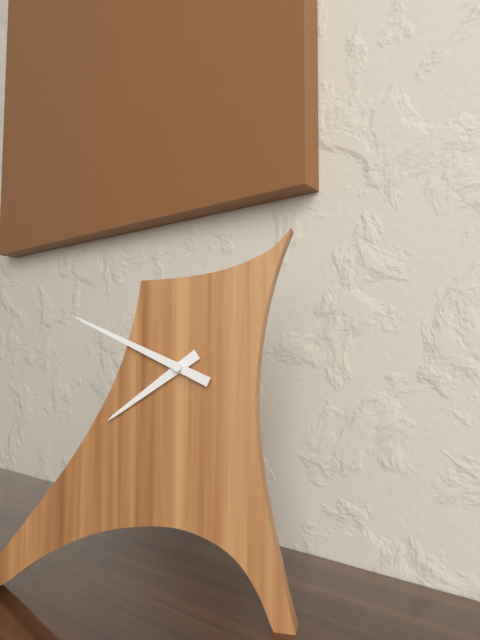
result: 7 h 49 min
